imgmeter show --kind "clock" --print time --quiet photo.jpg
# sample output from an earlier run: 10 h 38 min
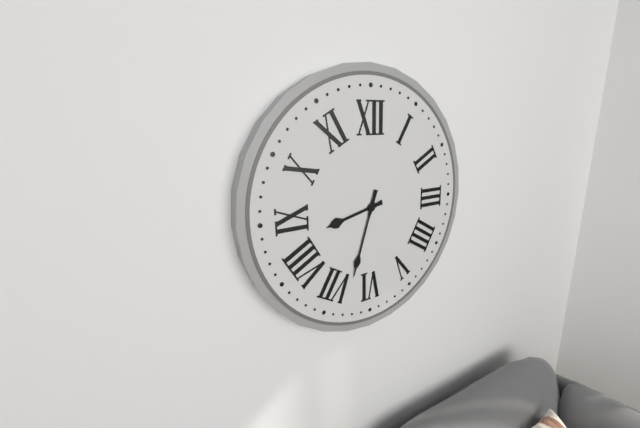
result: 8 h 33 min
